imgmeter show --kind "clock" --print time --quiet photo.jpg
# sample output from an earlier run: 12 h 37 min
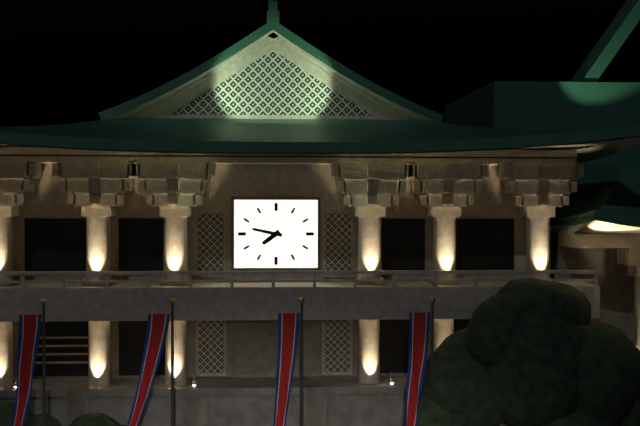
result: 7 h 47 min
